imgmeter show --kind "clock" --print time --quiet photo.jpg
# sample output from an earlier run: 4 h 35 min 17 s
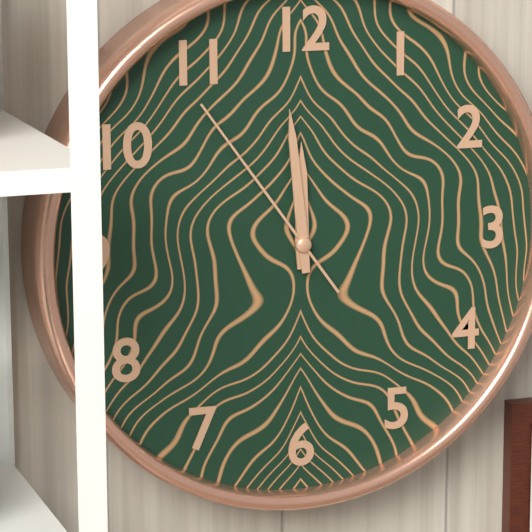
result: 11 h 59 min 54 s
